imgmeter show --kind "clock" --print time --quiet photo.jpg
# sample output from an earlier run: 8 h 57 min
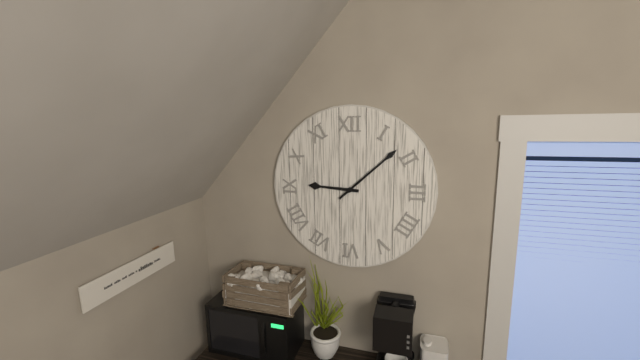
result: 9 h 08 min
